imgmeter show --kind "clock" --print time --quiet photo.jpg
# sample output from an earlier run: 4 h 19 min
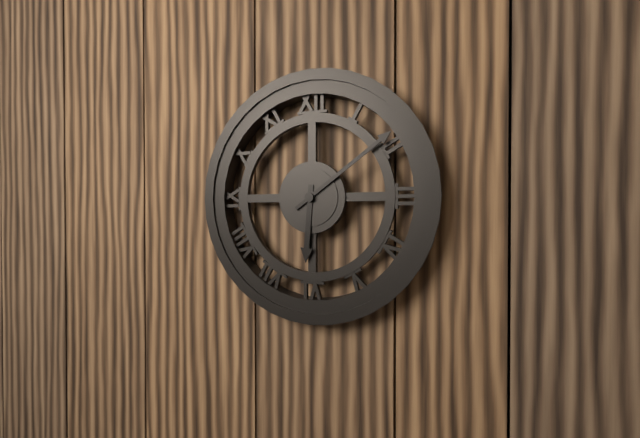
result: 6 h 09 min
